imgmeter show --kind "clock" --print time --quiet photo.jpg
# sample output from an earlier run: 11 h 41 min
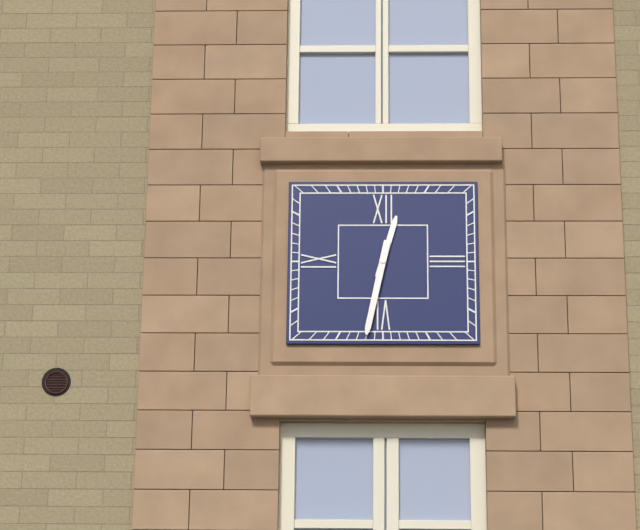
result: 12 h 32 min
